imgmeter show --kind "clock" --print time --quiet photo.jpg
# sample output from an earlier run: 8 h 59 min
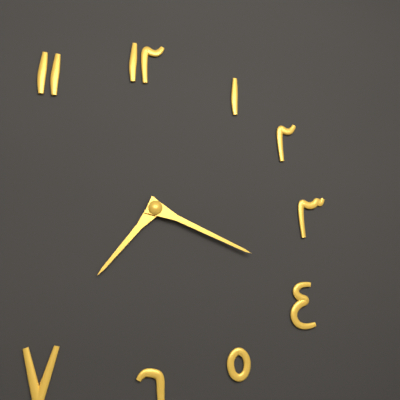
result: 7 h 19 min
